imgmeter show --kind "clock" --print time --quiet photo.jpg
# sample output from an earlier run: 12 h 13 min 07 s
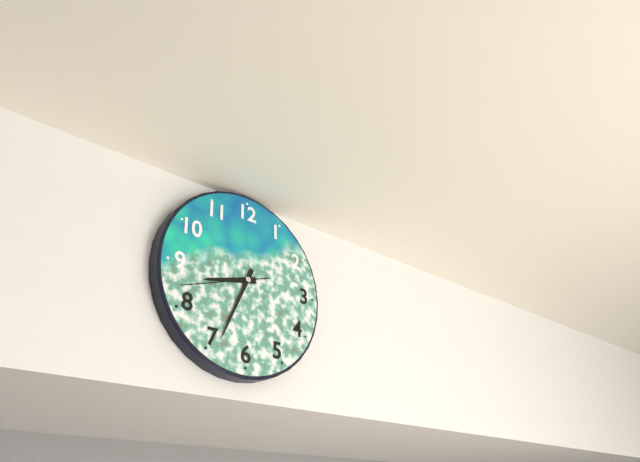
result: 8 h 34 min 42 s
